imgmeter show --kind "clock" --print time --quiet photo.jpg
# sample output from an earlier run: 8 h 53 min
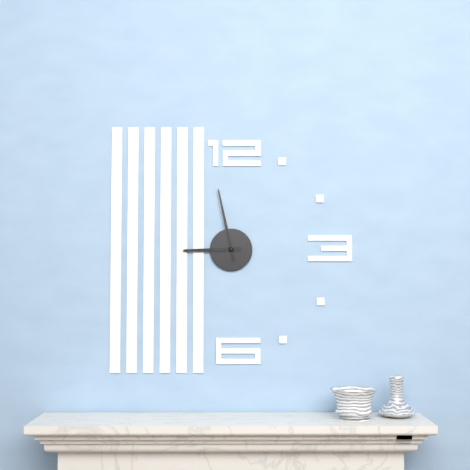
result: 8 h 58 min
